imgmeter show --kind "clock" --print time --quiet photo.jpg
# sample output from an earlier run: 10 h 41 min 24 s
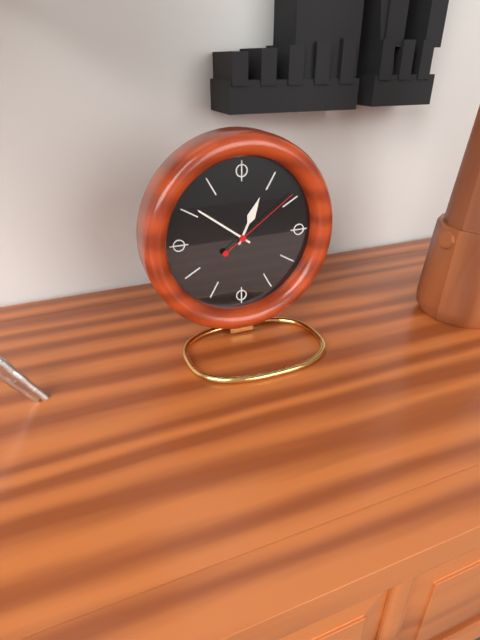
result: 12 h 51 min 09 s
